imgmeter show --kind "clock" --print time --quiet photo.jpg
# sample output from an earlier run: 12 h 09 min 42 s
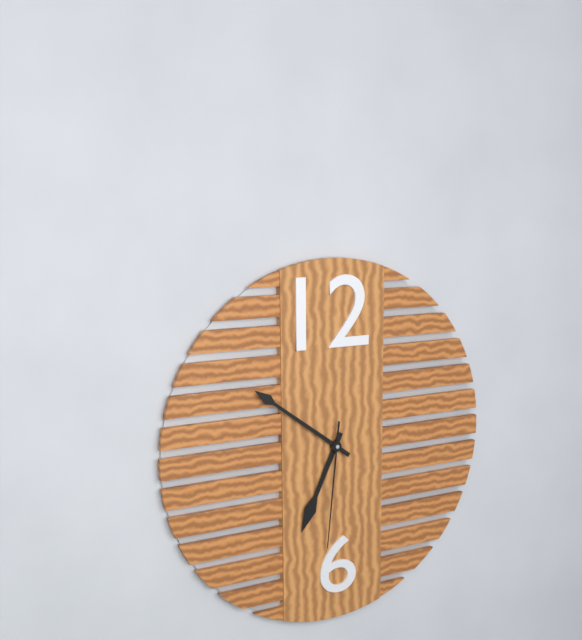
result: 6 h 51 min 31 s
